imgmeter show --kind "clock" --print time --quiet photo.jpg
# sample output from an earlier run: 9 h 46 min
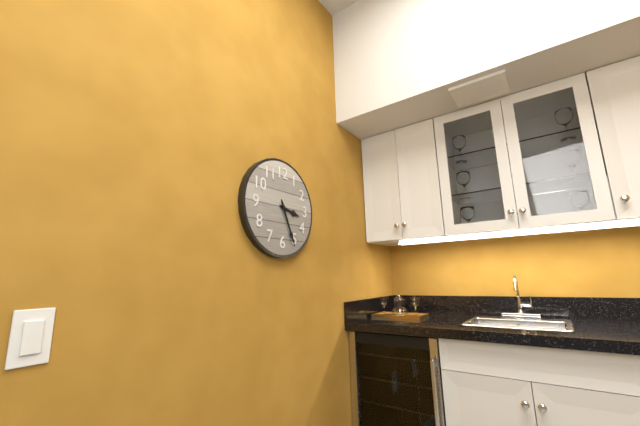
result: 3 h 26 min
